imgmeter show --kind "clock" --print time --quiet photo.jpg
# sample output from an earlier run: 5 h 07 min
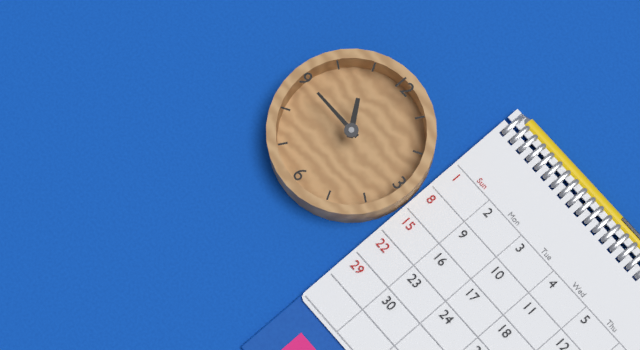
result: 10 h 45 min
